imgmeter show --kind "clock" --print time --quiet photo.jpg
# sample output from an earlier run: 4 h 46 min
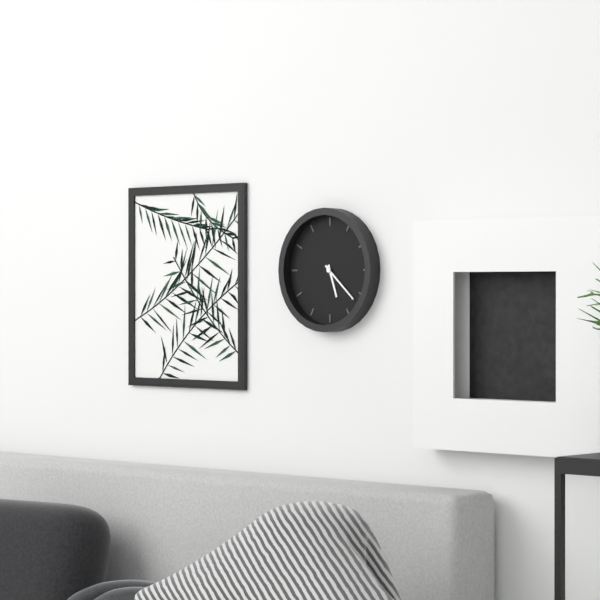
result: 5 h 22 min
